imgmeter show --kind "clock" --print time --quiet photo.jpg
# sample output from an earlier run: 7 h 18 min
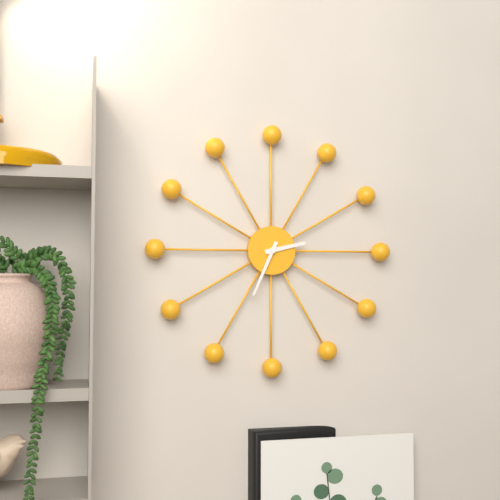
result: 2 h 34 min
